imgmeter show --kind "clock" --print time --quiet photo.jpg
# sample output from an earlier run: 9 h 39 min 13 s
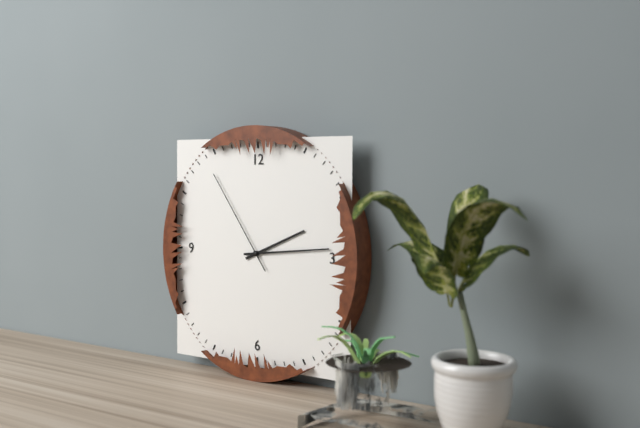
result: 2 h 14 min 54 s
